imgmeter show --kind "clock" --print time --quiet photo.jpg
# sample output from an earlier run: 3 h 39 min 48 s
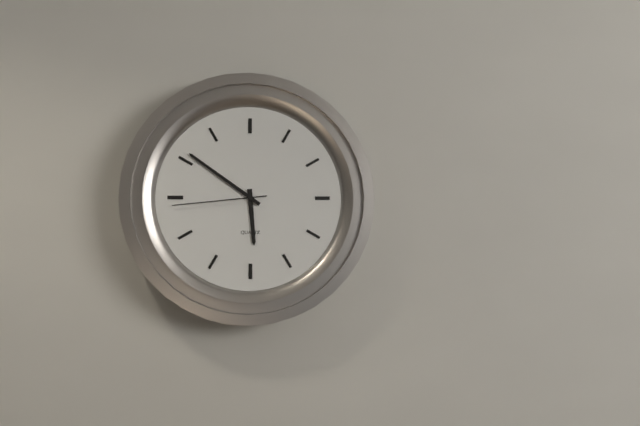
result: 5 h 51 min 44 s
